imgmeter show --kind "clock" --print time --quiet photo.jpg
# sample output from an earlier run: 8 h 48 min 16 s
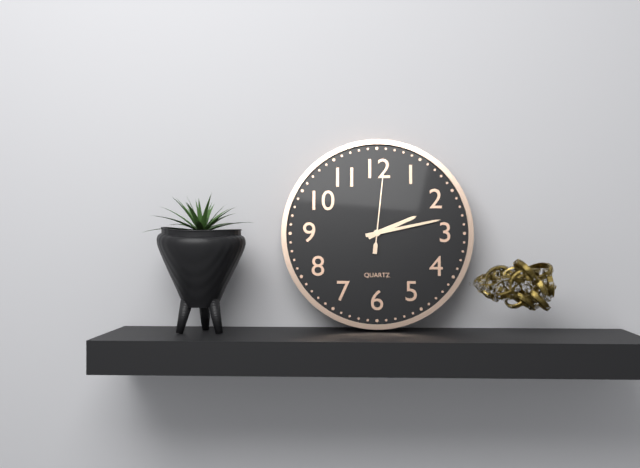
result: 2 h 13 min 01 s
